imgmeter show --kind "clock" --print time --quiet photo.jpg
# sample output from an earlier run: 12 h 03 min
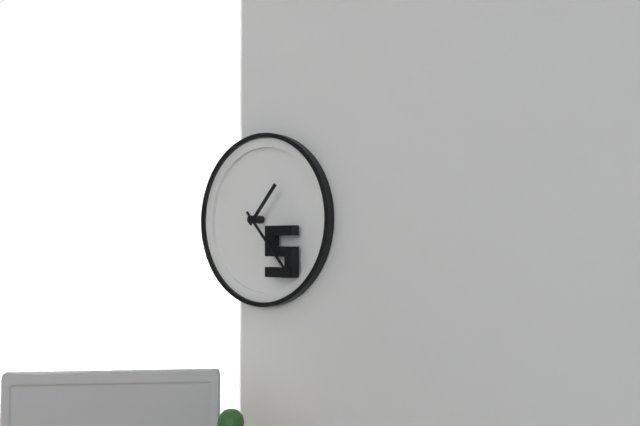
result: 1 h 23 min
